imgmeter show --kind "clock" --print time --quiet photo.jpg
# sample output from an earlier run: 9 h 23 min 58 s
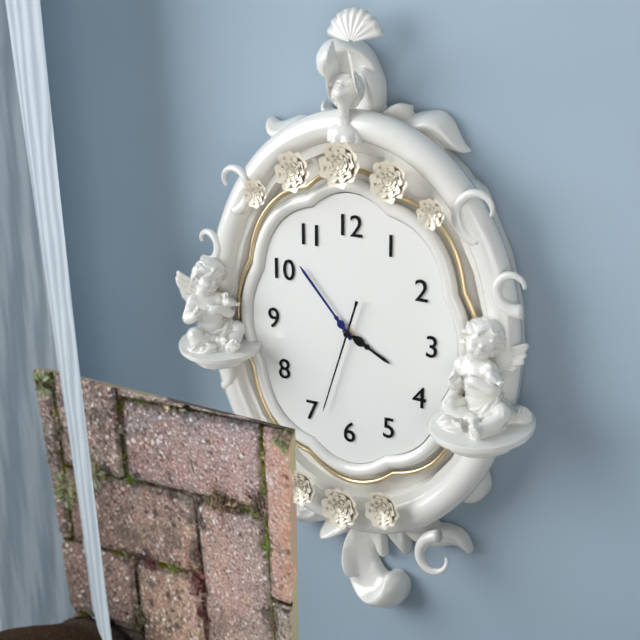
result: 3 h 53 min 33 s
